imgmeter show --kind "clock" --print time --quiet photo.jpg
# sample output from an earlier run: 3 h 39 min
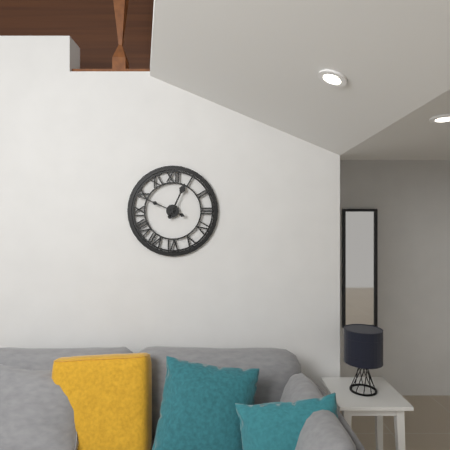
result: 12 h 49 min
